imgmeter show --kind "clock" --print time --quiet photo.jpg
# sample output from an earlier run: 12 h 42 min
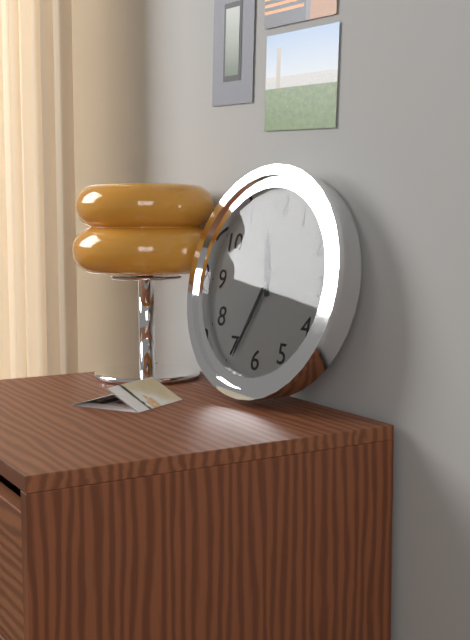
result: 11 h 34 min
